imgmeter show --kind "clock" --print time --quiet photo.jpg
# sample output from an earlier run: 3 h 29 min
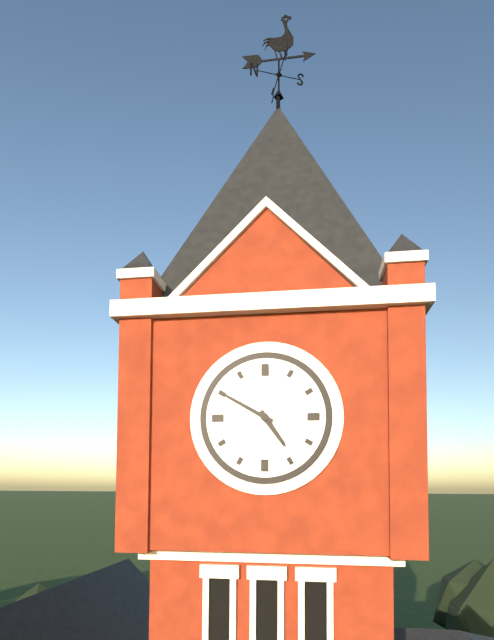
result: 4 h 50 min
